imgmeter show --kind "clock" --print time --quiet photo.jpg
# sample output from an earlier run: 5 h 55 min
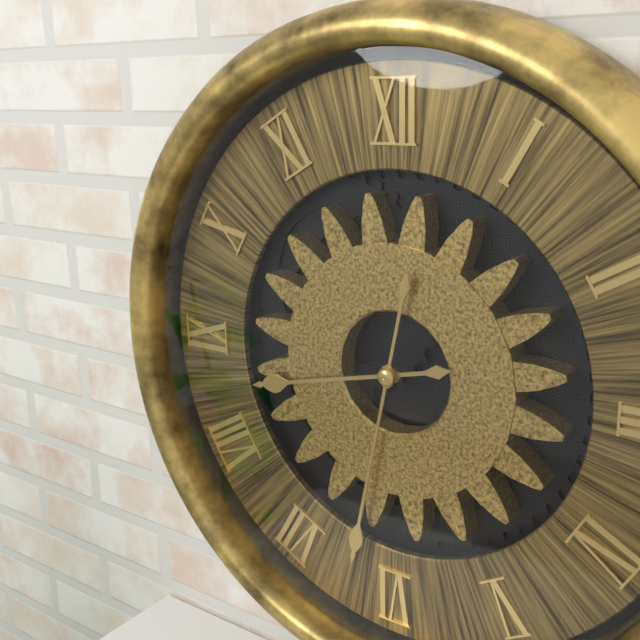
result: 8 h 32 min
